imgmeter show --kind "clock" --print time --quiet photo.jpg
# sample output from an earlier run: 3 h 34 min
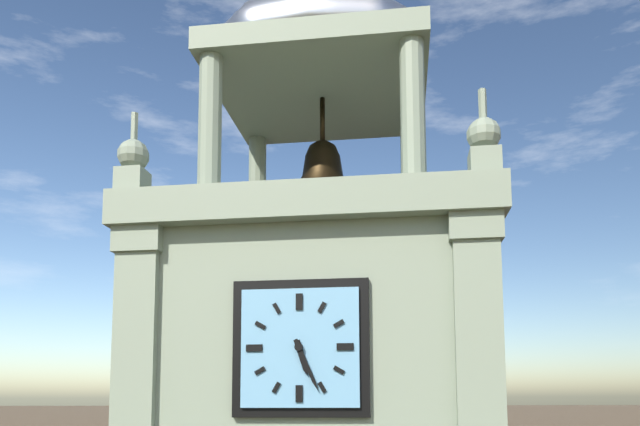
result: 5 h 26 min
